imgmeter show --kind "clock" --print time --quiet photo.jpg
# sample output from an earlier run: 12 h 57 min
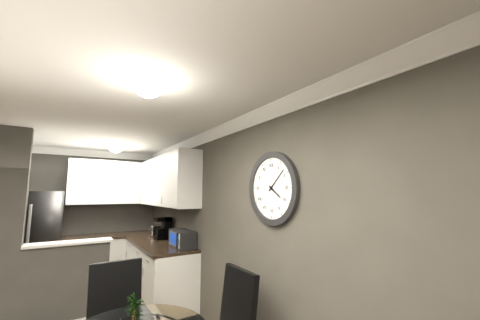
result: 4 h 08 min
